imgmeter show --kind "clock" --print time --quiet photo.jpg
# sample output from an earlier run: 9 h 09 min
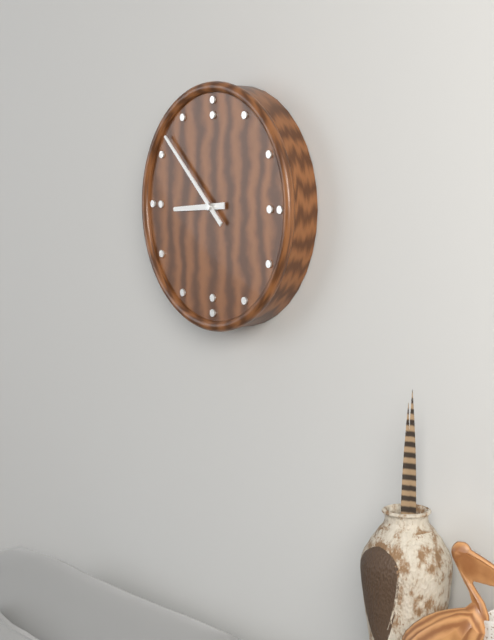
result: 8 h 52 min
